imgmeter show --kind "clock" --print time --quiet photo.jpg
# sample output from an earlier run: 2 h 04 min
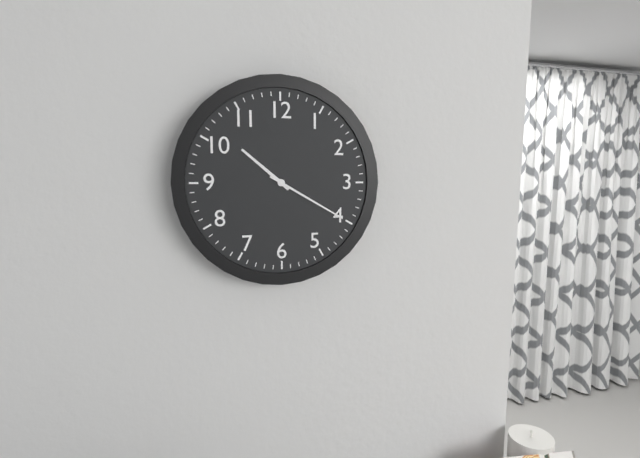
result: 10 h 20 min
